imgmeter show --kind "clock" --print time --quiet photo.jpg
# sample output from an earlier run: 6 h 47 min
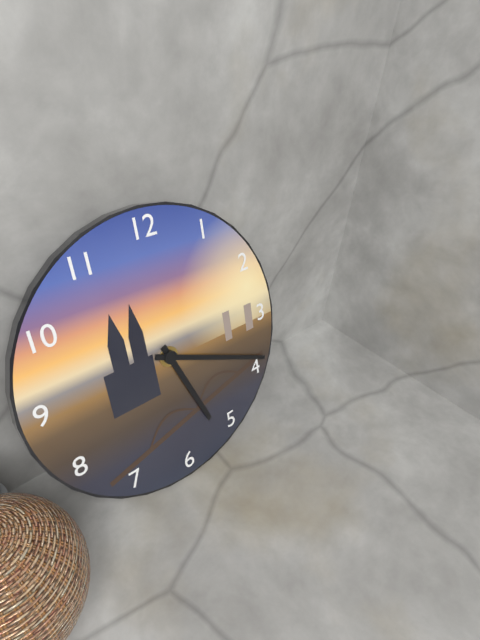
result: 5 h 19 min
